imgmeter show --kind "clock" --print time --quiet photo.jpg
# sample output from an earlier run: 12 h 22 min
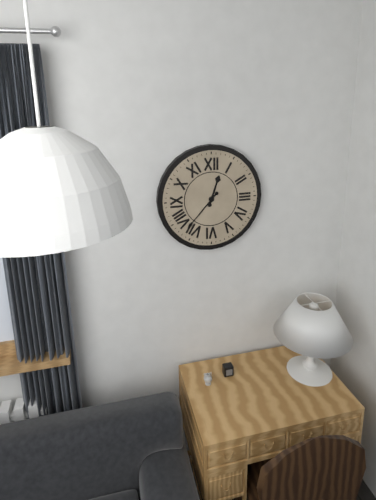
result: 12 h 37 min
